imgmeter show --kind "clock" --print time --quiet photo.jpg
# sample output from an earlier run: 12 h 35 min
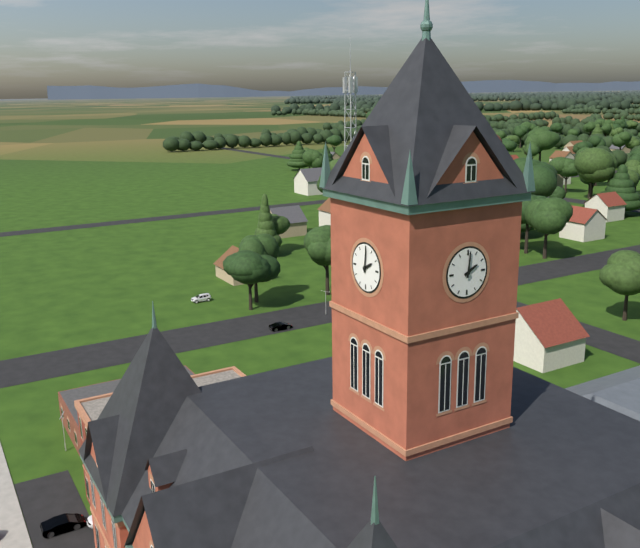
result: 2 h 01 min
